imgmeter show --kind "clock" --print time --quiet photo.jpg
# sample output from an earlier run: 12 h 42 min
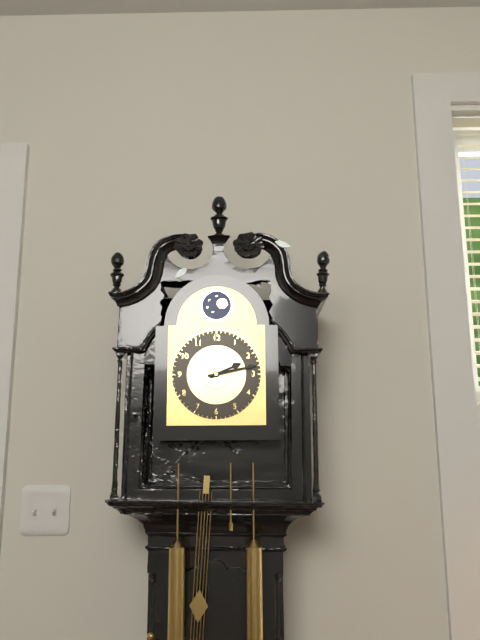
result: 2 h 13 min
